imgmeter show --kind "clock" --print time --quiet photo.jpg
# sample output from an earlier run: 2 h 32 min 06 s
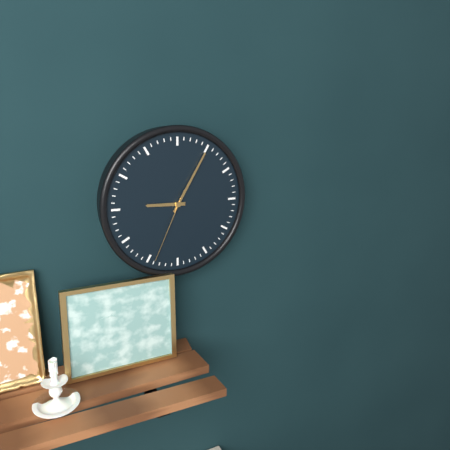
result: 9 h 05 min 34 s
